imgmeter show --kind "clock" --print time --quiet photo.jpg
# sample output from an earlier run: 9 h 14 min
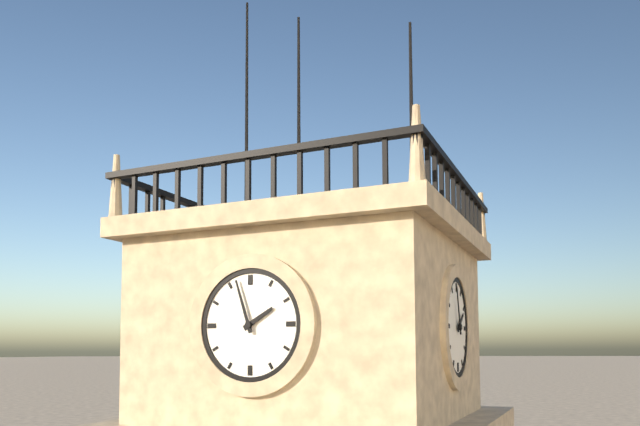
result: 1 h 57 min
